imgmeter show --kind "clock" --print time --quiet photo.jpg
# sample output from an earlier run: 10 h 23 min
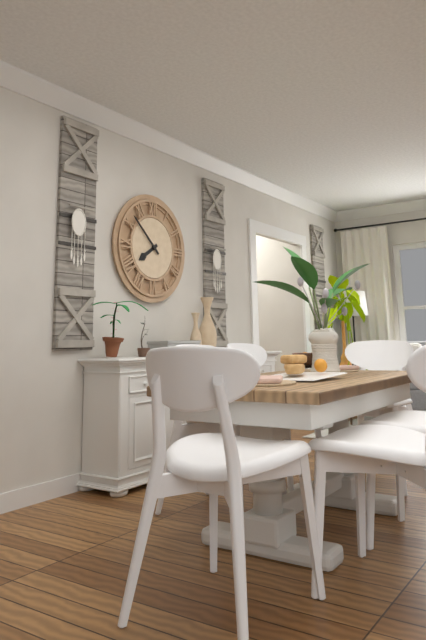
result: 7 h 52 min
